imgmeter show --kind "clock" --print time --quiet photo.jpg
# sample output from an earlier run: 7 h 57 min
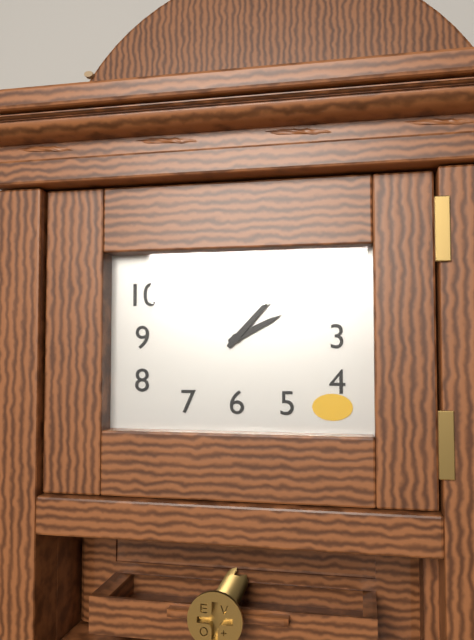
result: 2 h 07 min
